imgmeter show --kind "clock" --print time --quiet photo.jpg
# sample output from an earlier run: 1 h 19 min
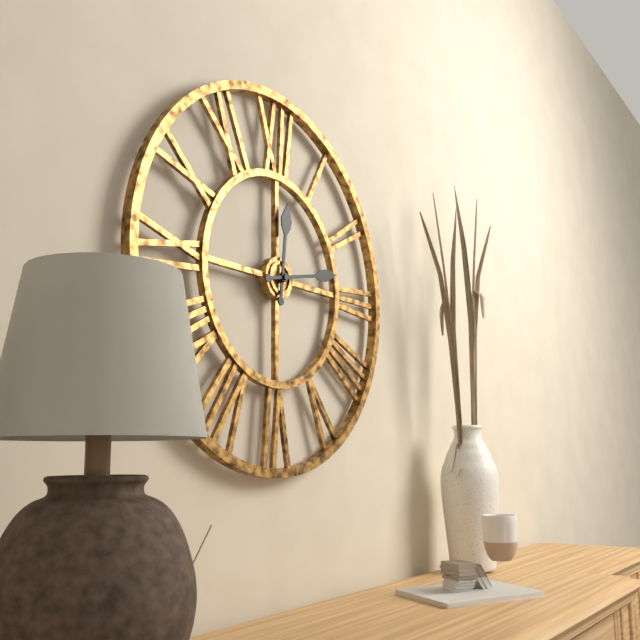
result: 12 h 13 min
